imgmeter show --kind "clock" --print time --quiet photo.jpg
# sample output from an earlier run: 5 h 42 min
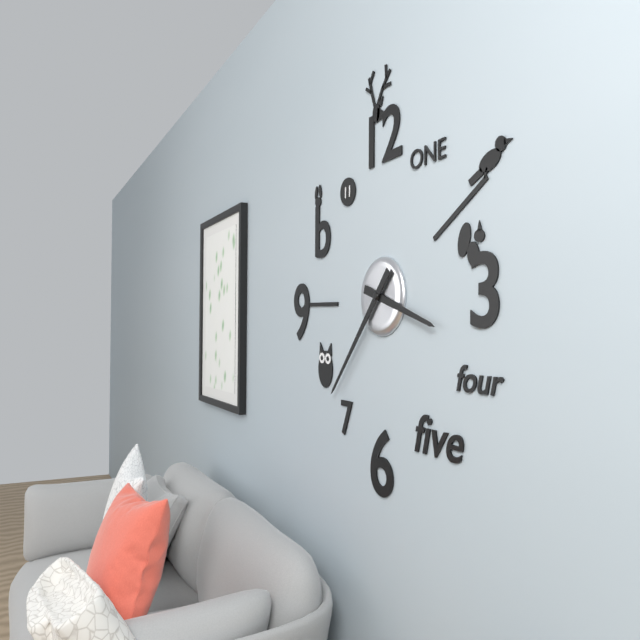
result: 3 h 37 min
